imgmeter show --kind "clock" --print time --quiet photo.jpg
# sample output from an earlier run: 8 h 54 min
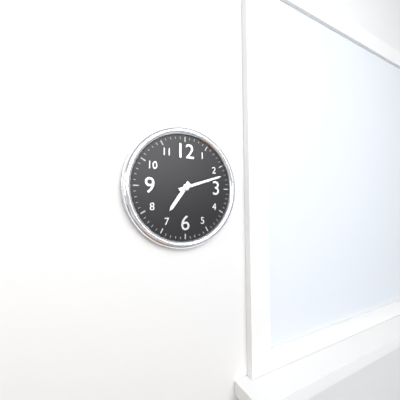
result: 7 h 12 min
